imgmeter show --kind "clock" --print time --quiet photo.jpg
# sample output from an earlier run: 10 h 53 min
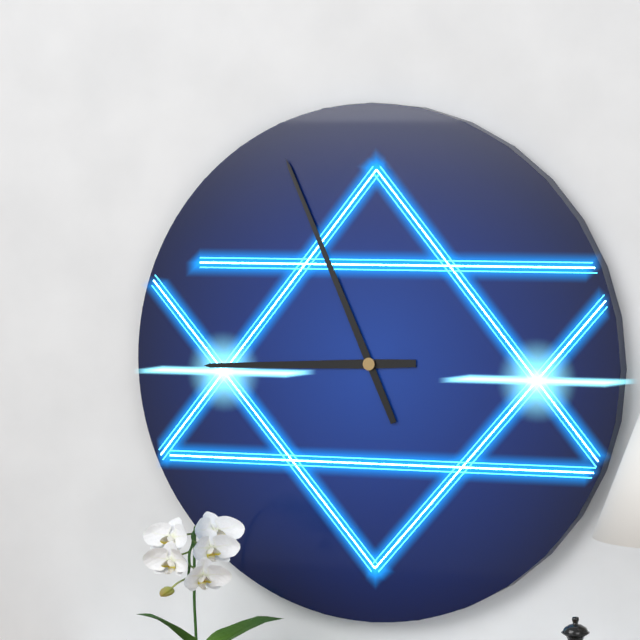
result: 8 h 56 min
